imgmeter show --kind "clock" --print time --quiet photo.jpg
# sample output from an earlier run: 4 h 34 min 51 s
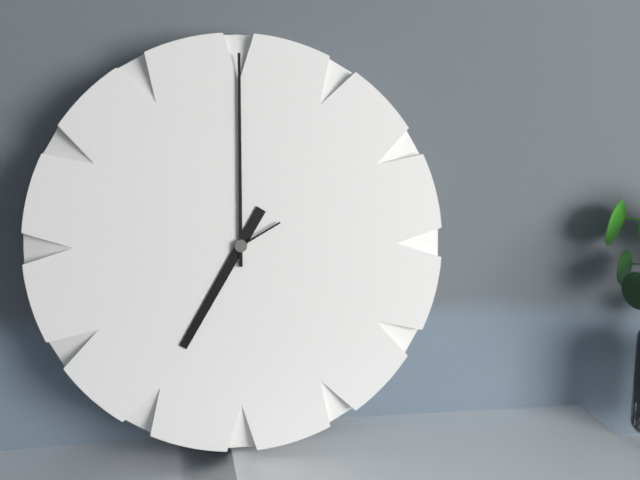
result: 7 h 00 min 10 s
